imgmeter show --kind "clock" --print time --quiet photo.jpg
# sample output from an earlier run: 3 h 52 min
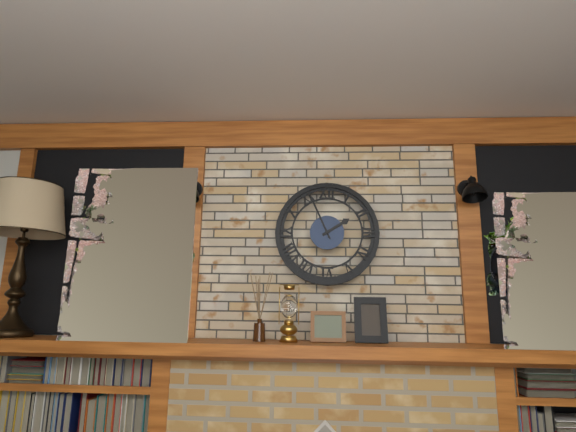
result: 1 h 56 min
